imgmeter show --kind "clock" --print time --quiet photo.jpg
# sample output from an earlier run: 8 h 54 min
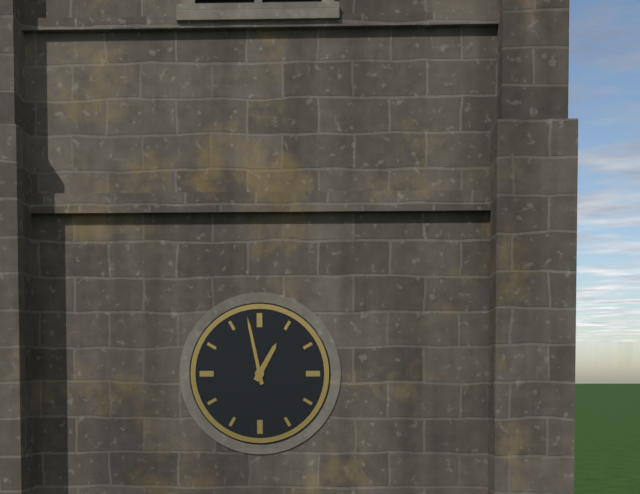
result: 12 h 58 min
